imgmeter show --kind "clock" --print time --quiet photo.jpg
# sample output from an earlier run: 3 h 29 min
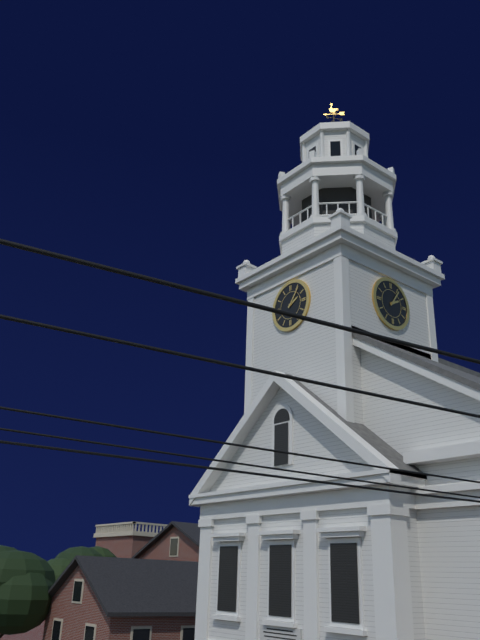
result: 2 h 06 min
